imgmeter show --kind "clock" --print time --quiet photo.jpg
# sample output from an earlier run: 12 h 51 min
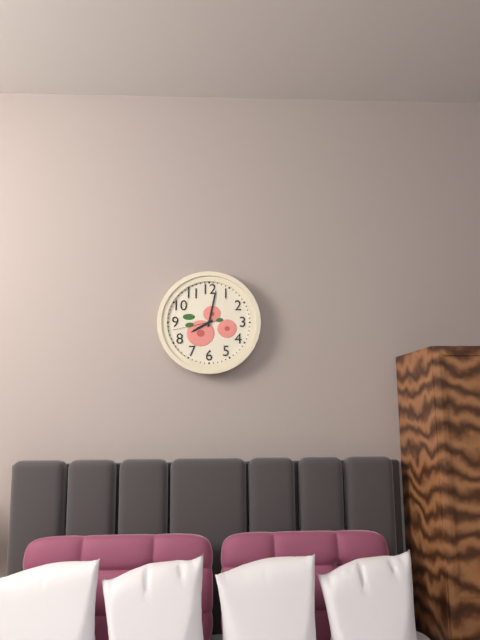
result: 8 h 02 min
